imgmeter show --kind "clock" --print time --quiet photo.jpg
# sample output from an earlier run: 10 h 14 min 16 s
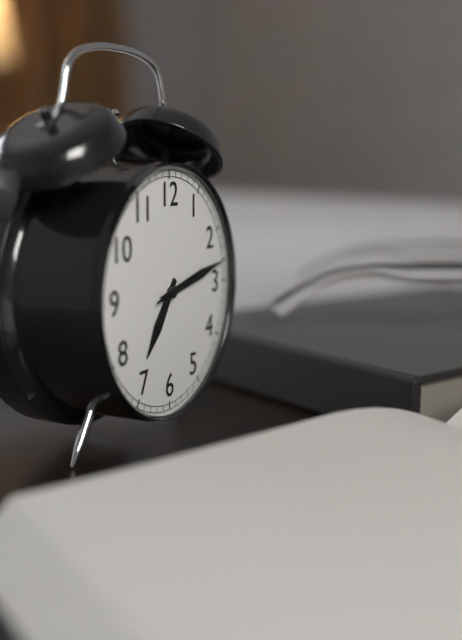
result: 7 h 13 min 13 s
